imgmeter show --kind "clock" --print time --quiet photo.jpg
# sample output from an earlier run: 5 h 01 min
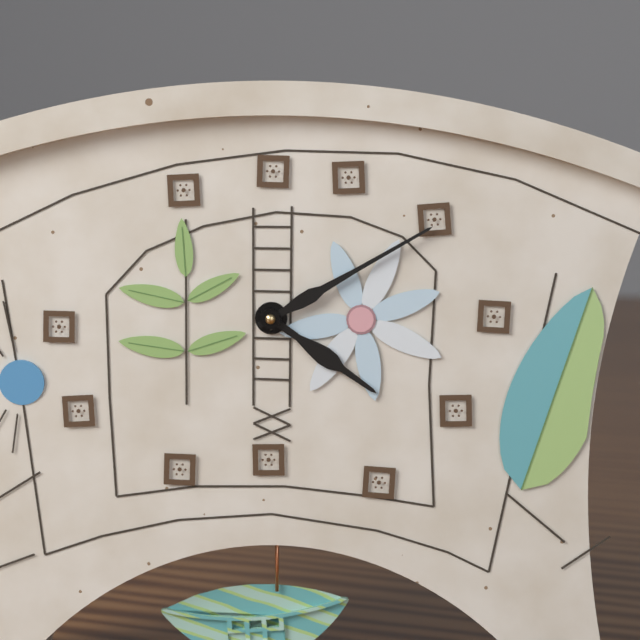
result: 4 h 10 min
